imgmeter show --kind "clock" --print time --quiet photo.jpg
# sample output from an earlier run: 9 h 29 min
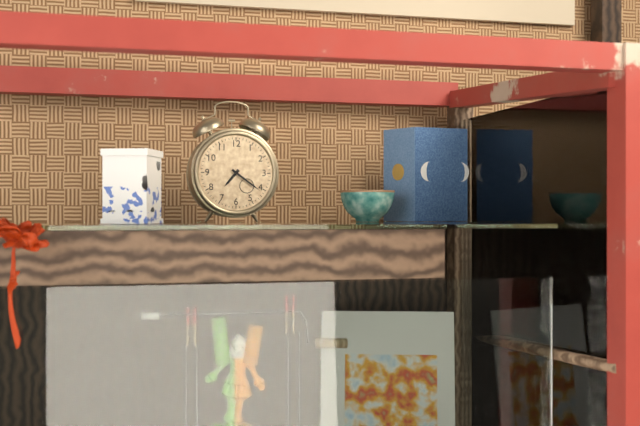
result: 7 h 21 min
